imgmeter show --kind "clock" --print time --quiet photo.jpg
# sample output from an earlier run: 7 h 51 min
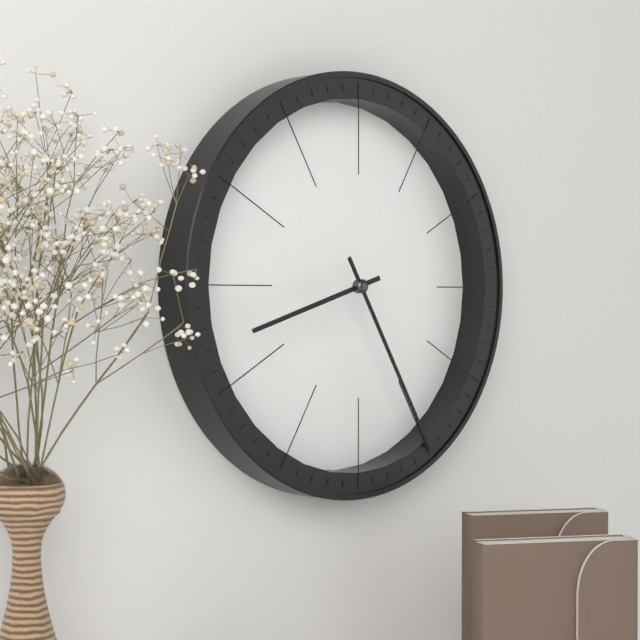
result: 8 h 25 min
